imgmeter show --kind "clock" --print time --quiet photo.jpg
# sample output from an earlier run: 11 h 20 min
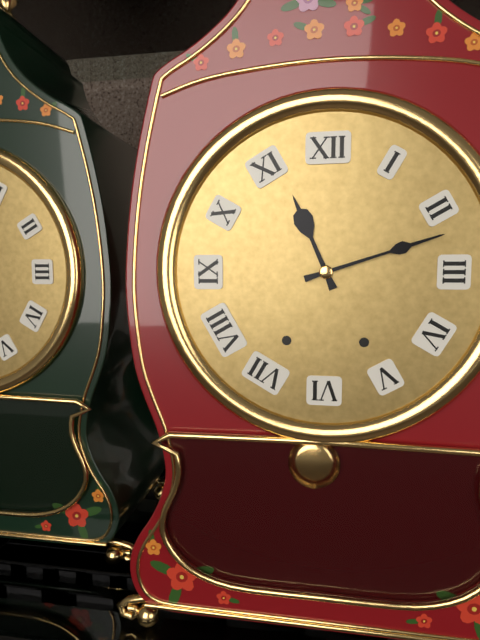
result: 11 h 12 min
